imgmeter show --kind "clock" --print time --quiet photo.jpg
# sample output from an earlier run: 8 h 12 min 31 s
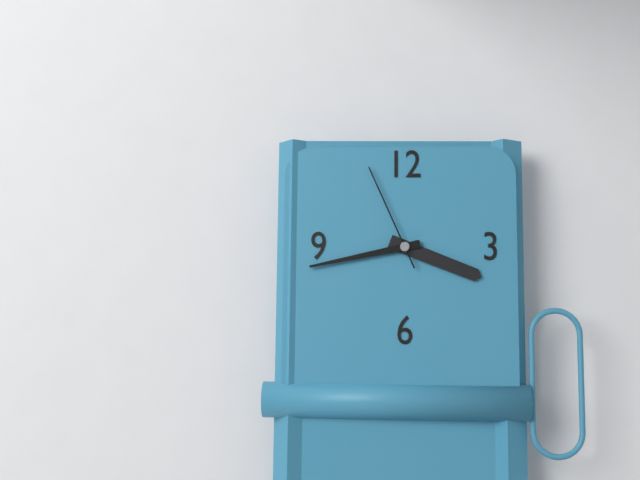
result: 3 h 43 min 56 s
